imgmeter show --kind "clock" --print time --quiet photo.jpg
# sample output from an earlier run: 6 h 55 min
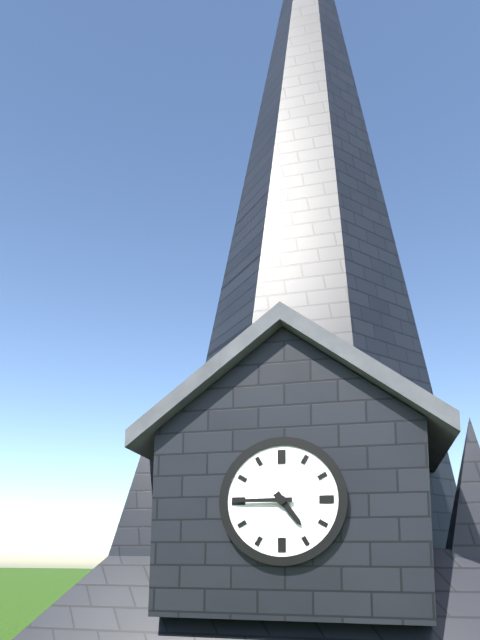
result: 4 h 45 min
